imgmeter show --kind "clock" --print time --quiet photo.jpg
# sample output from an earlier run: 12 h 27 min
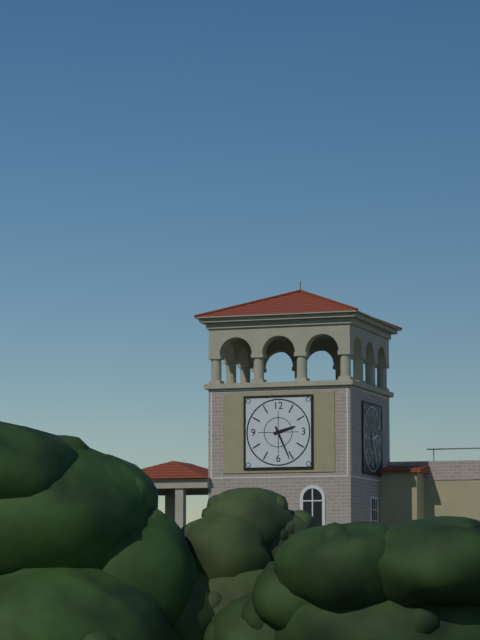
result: 2 h 26 min
